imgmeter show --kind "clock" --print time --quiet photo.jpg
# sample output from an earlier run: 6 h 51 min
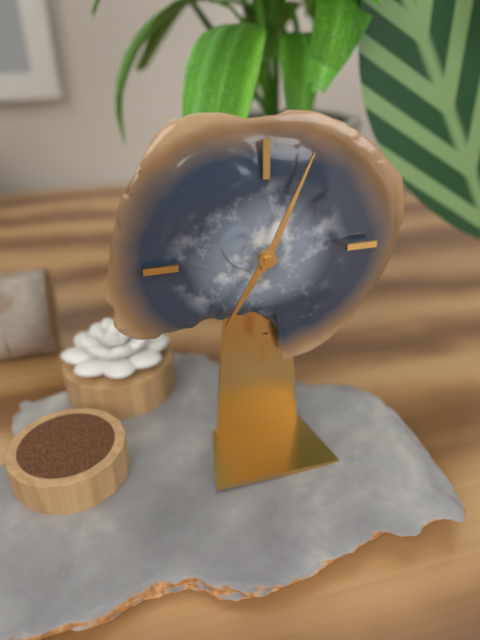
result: 7 h 04 min
